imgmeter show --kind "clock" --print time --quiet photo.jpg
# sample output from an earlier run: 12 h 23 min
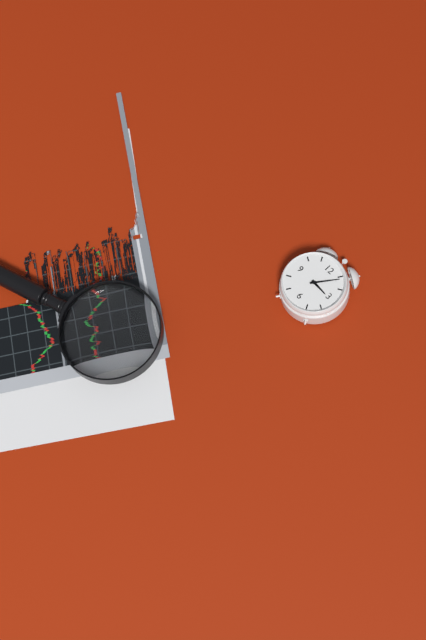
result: 3 h 06 min
